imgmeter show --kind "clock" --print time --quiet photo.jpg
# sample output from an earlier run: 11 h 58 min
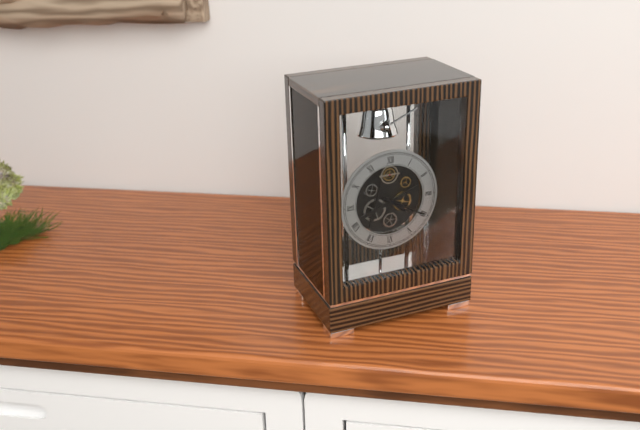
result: 4 h 20 min
